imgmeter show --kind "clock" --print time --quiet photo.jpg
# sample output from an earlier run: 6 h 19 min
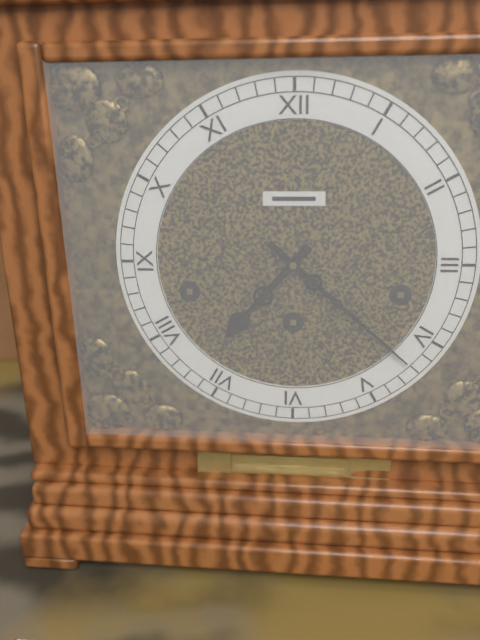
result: 7 h 22 min
